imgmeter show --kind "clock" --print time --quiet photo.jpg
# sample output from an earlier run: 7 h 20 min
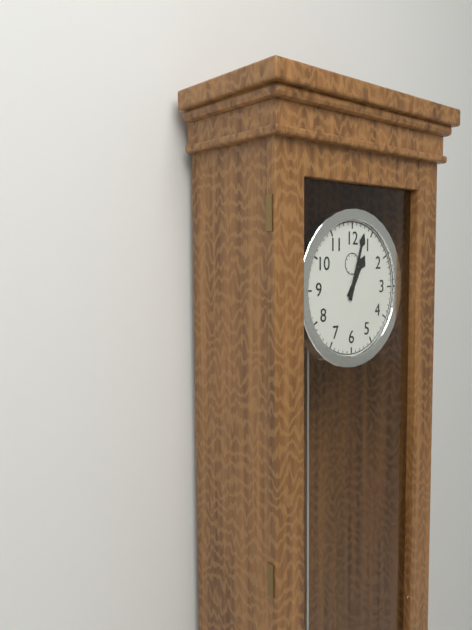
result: 1 h 03 min
